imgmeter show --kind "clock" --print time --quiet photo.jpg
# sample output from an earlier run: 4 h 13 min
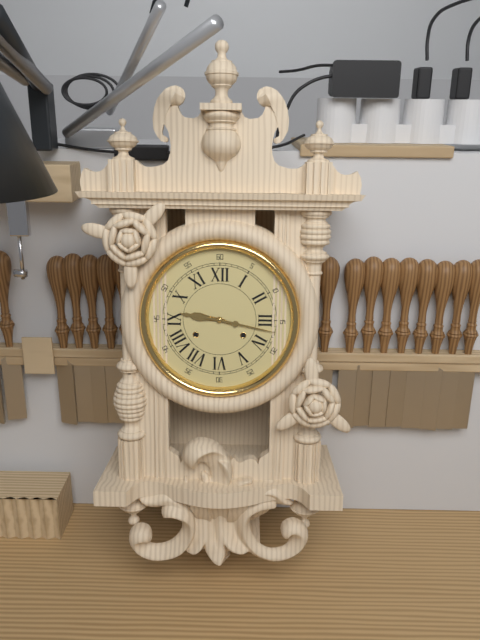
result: 9 h 17 min
